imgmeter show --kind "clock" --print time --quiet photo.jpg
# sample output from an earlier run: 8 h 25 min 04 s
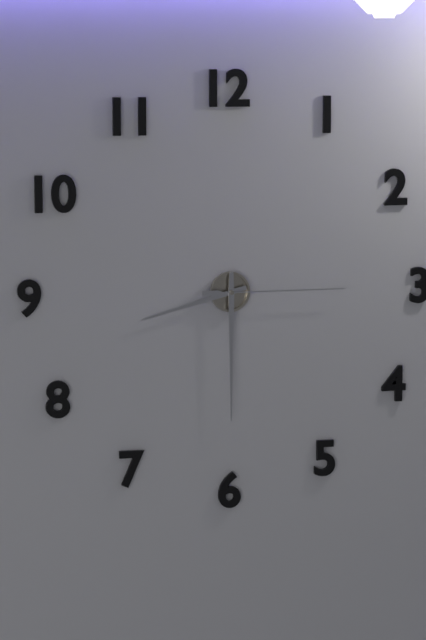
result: 8 h 30 min 15 s
